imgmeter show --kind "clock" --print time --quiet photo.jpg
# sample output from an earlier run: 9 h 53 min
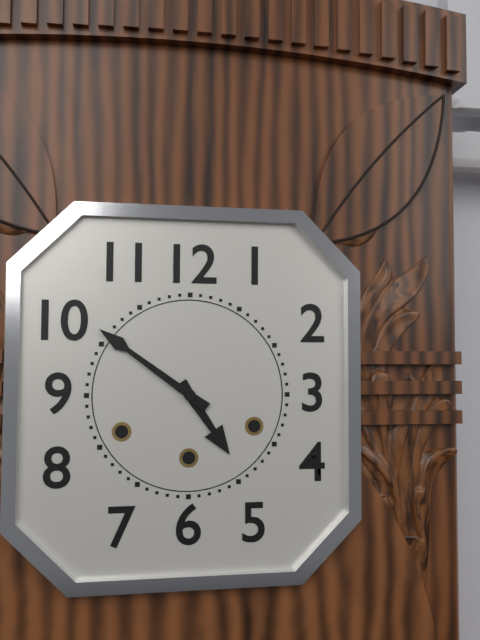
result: 4 h 51 min
